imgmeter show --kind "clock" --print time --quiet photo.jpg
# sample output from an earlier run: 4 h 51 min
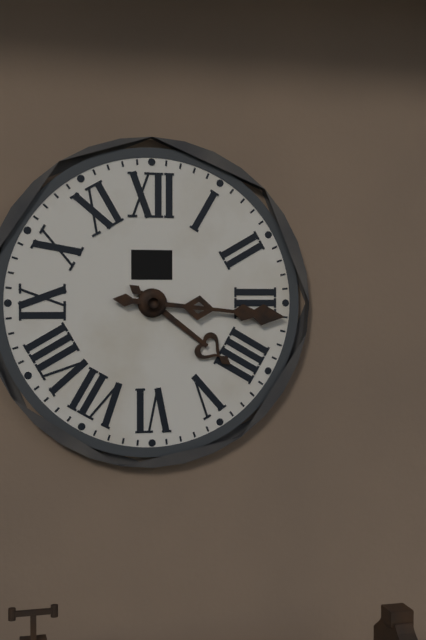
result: 4 h 16 min
